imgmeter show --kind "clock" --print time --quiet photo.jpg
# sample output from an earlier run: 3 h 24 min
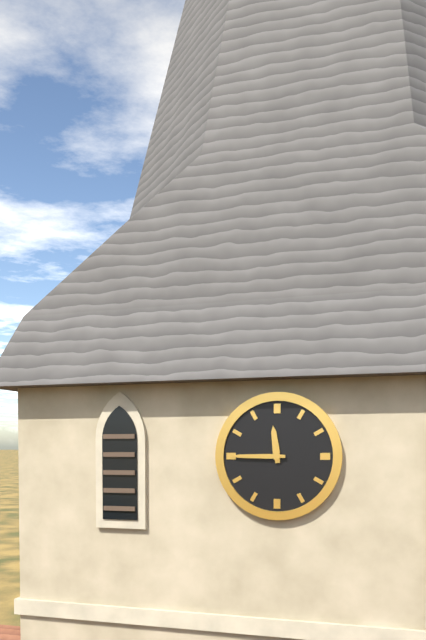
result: 11 h 45 min
